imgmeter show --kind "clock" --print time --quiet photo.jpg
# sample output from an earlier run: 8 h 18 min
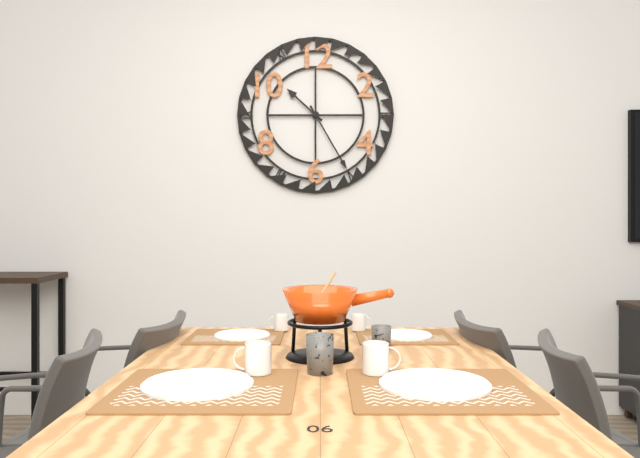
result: 10 h 25 min
